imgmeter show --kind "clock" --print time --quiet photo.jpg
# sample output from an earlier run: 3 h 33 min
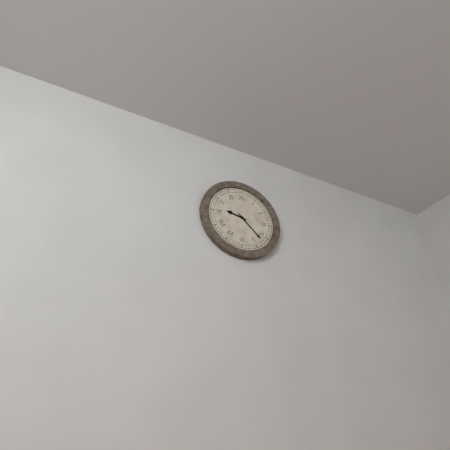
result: 9 h 22 min
